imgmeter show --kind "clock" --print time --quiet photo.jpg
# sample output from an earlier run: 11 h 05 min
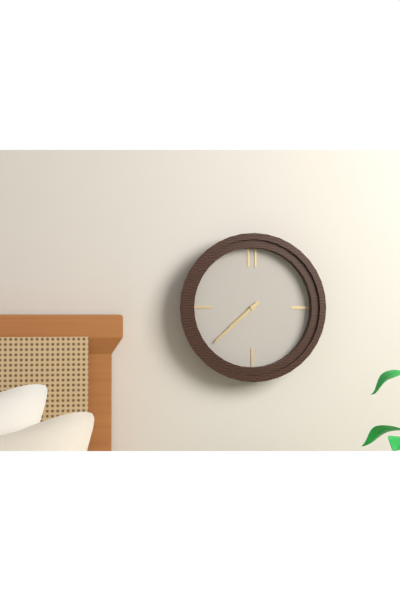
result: 7 h 38 min
